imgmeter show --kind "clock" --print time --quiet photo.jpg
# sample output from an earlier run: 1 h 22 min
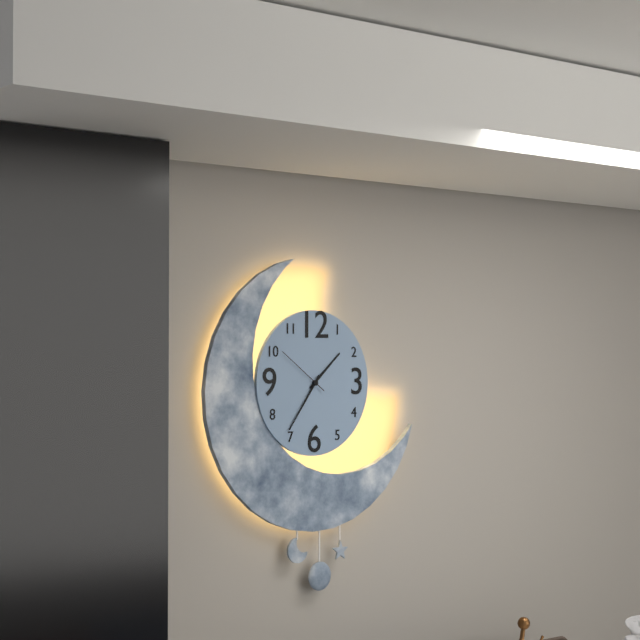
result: 1 h 36 min
